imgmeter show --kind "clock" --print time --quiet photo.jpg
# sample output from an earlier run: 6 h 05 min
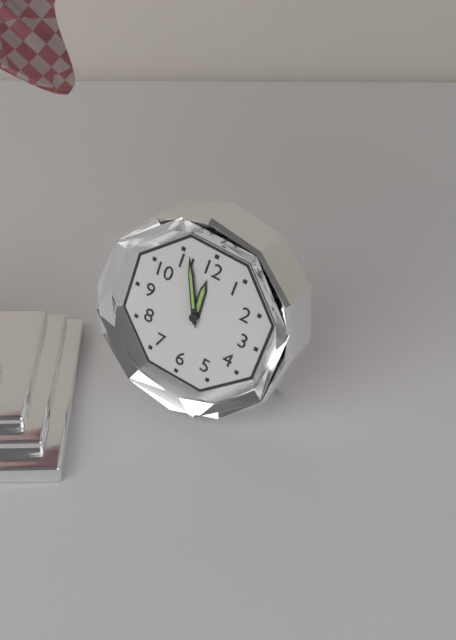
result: 11 h 56 min
